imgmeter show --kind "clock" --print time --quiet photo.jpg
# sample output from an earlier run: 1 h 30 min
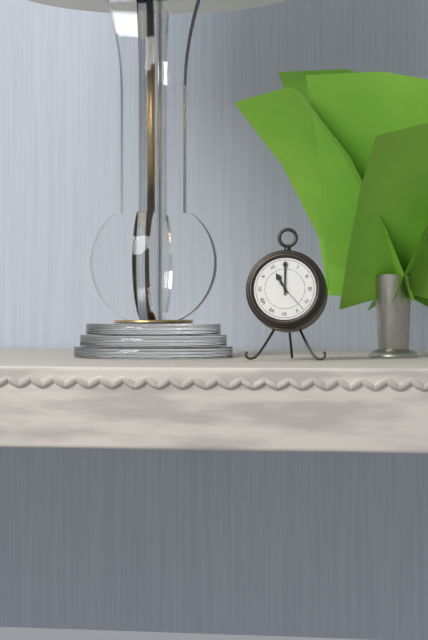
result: 11 h 00 min
